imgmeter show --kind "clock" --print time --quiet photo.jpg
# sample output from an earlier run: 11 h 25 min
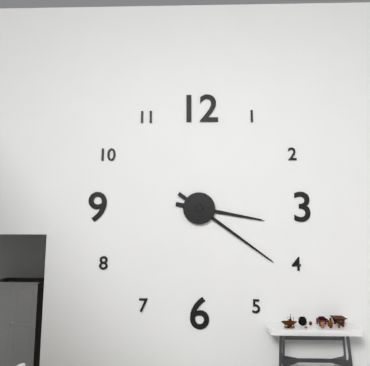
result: 3 h 21 min
